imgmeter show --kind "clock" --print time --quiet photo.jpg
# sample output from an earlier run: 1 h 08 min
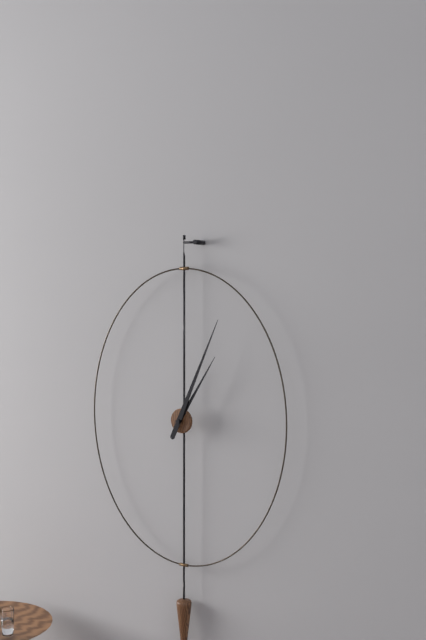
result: 1 h 04 min
